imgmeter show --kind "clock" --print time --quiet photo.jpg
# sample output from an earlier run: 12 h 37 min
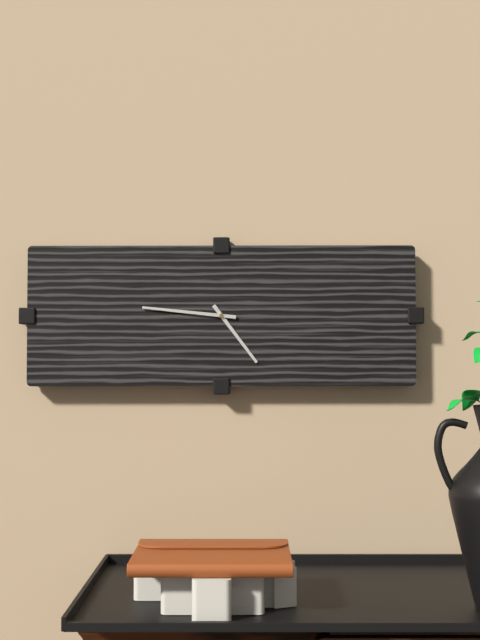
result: 4 h 46 min
